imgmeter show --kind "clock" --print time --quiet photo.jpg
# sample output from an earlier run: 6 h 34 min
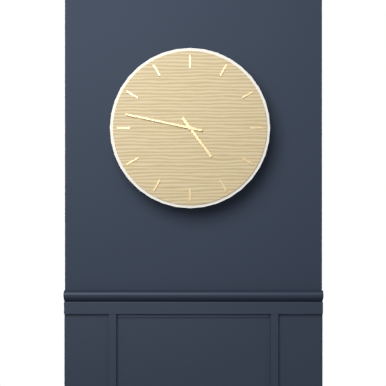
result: 4 h 47 min
